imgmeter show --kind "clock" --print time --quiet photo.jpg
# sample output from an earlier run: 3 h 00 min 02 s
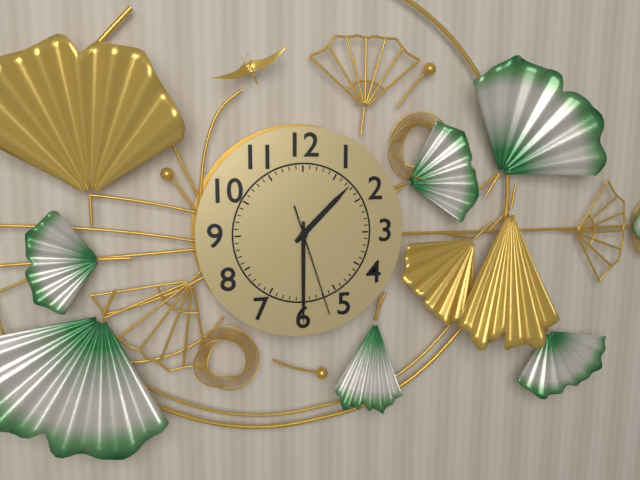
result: 1 h 30 min 27 s
